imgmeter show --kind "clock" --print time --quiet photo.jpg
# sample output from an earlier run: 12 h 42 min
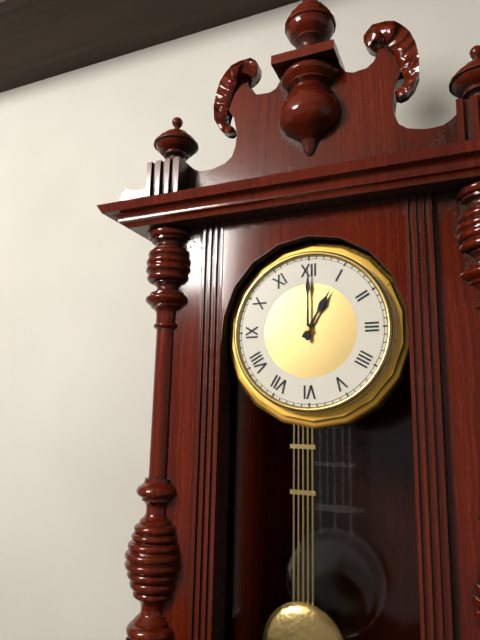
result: 1 h 00 min
